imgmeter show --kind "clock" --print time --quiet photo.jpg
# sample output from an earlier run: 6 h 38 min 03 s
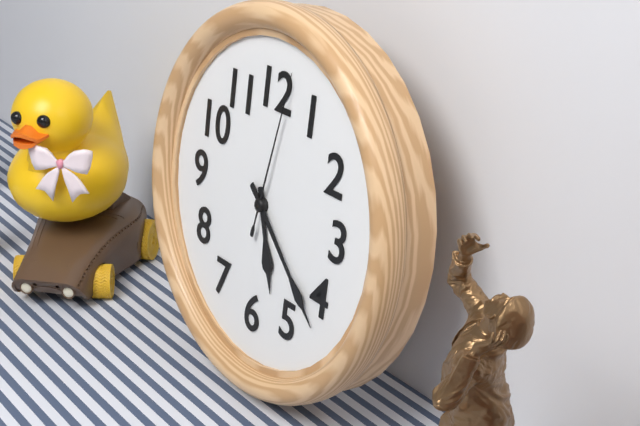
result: 5 h 22 min 02 s
